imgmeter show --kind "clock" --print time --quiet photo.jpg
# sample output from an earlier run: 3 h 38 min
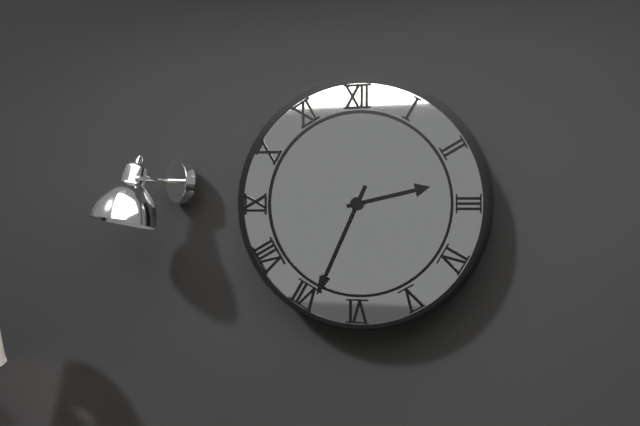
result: 2 h 34 min
